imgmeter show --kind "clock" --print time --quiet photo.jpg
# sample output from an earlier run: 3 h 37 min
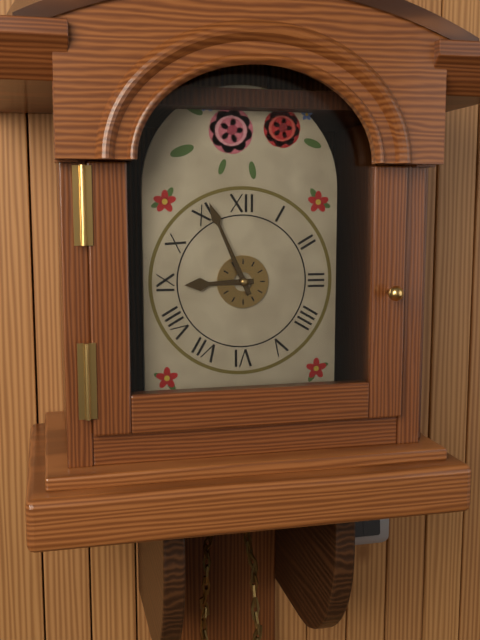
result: 8 h 56 min
